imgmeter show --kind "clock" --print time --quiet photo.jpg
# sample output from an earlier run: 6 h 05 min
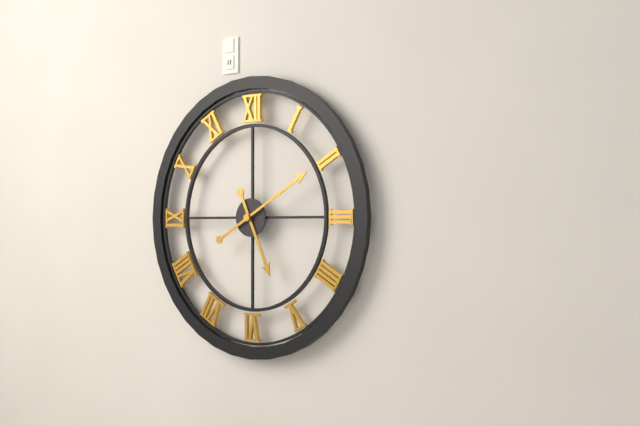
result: 5 h 10 min
